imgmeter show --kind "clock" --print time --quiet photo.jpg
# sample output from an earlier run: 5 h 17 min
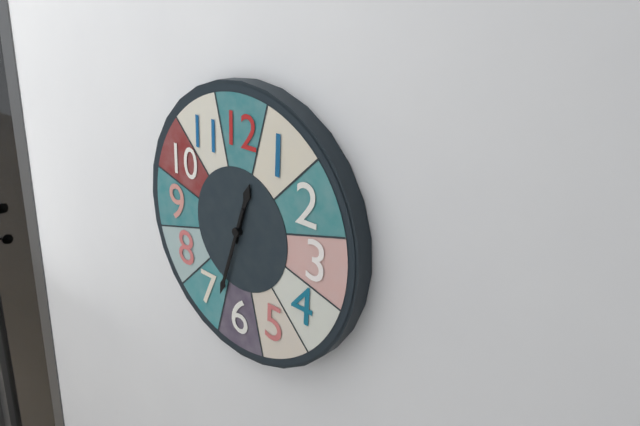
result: 12 h 33 min
